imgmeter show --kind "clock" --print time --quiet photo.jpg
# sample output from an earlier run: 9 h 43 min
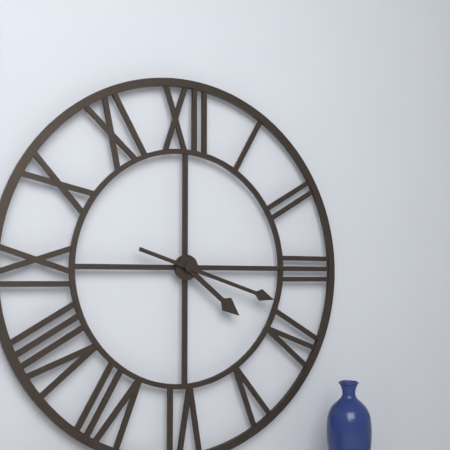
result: 4 h 18 min
